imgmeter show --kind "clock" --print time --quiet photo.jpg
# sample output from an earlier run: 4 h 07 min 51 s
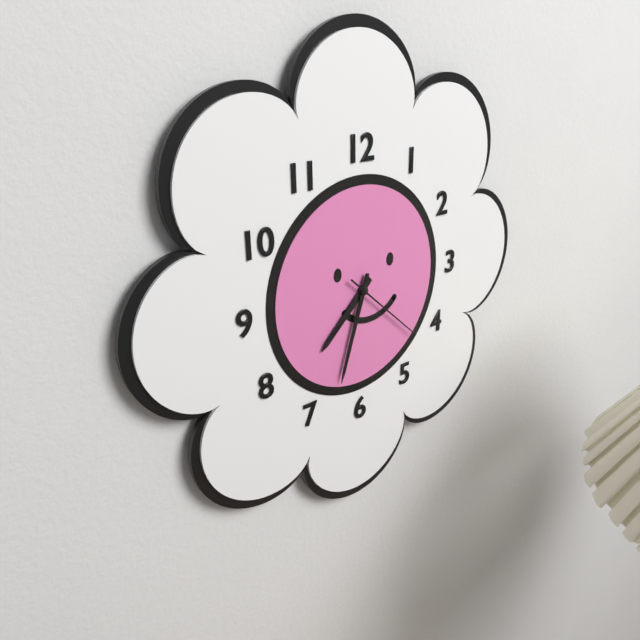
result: 7 h 33 min 22 s
